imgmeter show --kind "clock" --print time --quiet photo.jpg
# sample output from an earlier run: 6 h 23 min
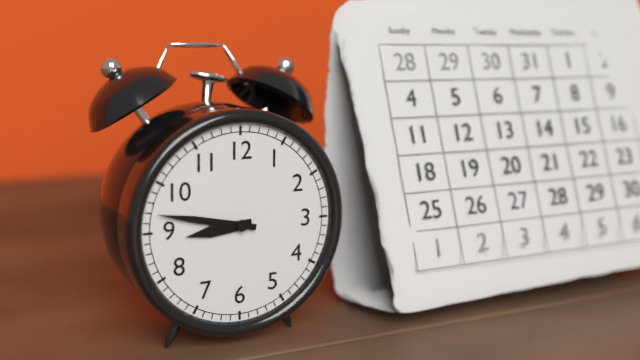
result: 8 h 47 min
